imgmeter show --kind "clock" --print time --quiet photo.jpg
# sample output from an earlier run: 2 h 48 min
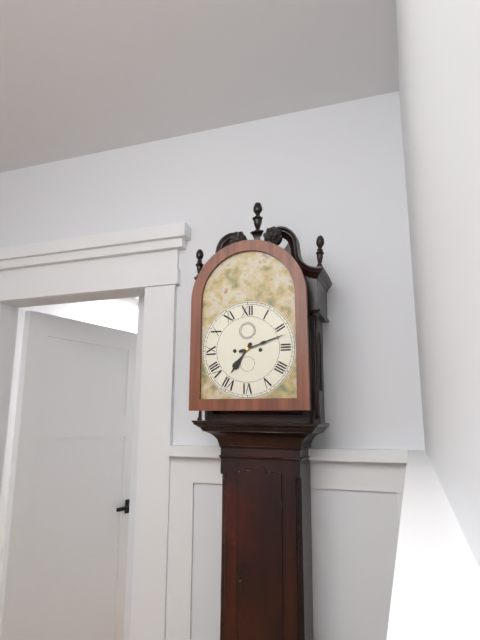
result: 7 h 12 min
